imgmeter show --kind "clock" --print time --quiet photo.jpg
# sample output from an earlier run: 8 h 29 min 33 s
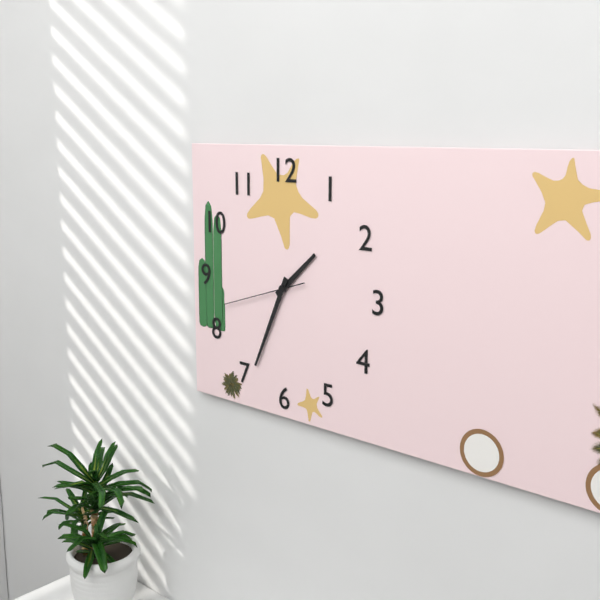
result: 1 h 34 min 42 s
